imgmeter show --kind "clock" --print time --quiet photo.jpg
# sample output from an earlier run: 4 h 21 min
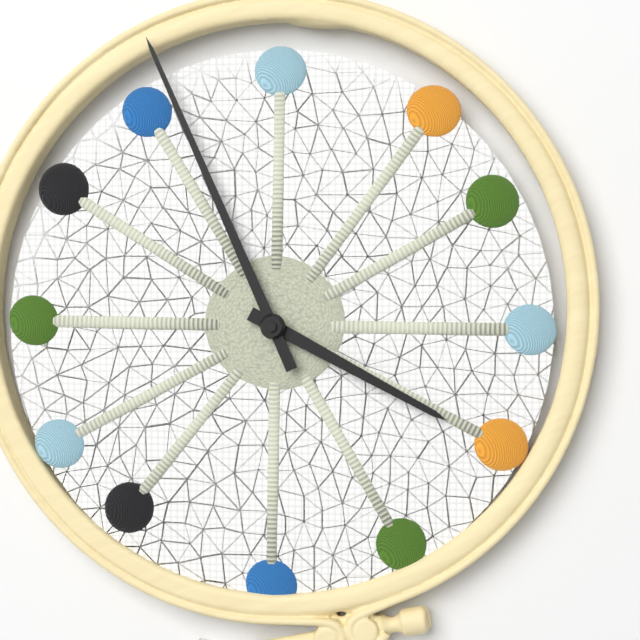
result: 3 h 56 min
